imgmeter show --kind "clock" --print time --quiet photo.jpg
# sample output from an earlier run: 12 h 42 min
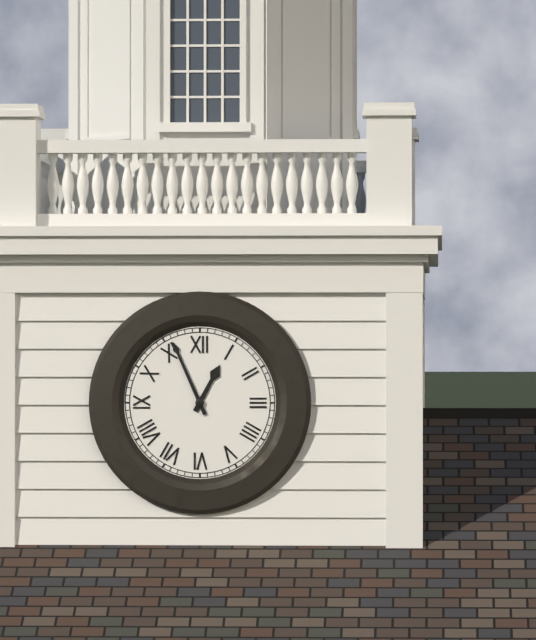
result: 12 h 56 min
